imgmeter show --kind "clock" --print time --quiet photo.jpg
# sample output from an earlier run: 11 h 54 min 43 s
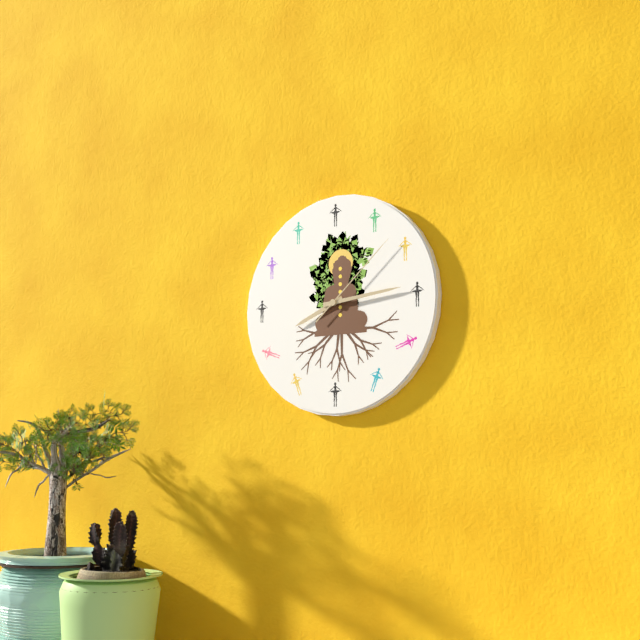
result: 8 h 14 min 08 s
